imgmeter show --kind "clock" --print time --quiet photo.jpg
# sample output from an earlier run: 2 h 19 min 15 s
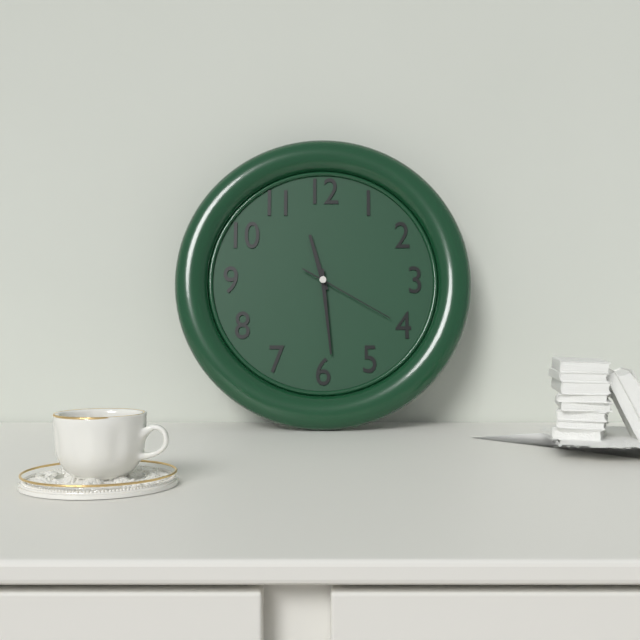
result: 11 h 29 min 20 s
